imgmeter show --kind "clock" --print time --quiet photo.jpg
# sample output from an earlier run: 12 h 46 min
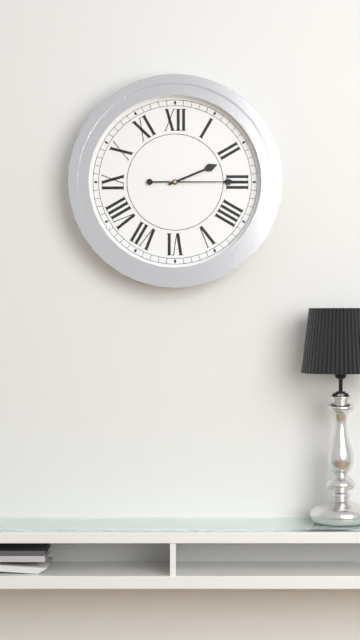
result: 2 h 15 min
